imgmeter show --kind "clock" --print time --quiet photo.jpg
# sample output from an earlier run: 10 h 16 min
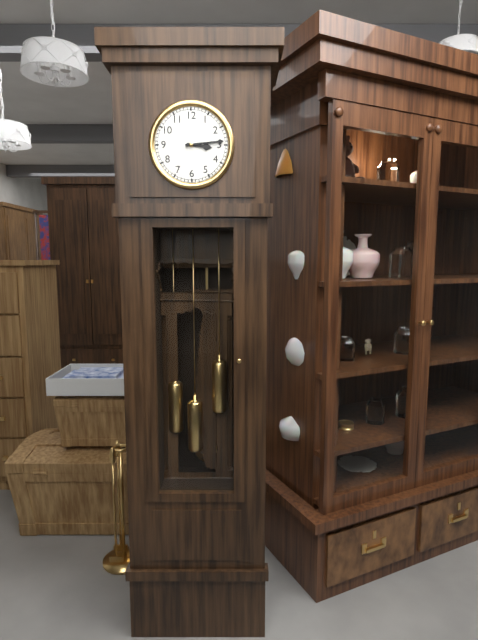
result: 3 h 14 min
